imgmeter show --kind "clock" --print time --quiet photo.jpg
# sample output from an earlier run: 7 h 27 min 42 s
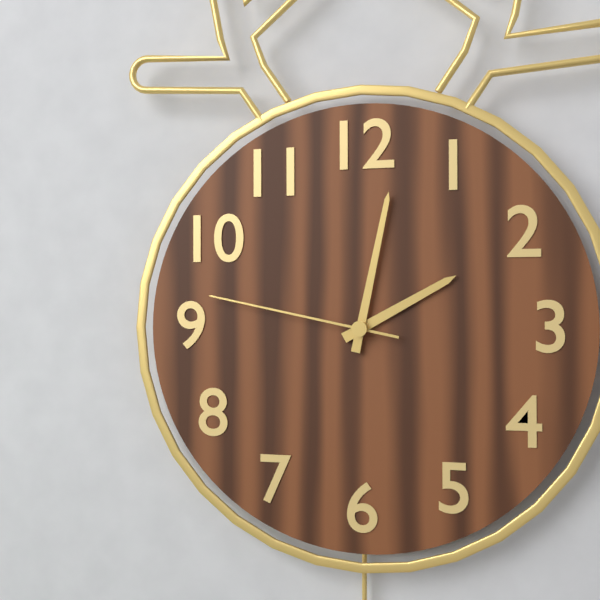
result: 2 h 02 min 47 s
